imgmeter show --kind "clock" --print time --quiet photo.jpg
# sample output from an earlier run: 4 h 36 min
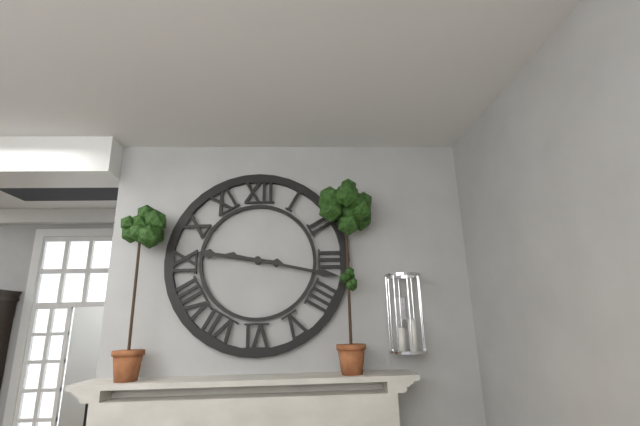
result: 9 h 17 min
